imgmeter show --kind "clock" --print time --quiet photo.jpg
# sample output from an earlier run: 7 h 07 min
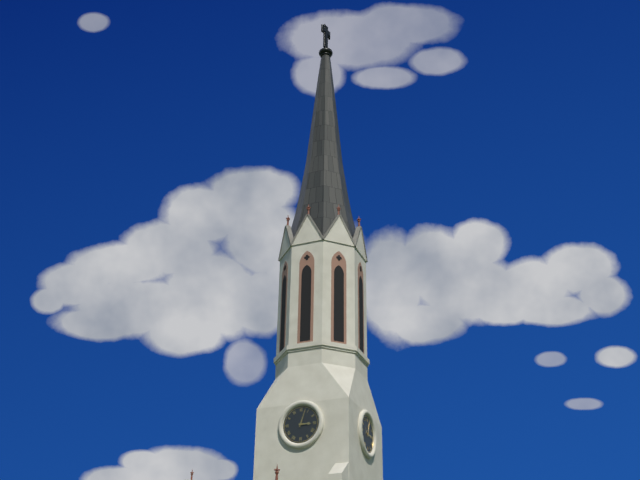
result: 3 h 03 min
